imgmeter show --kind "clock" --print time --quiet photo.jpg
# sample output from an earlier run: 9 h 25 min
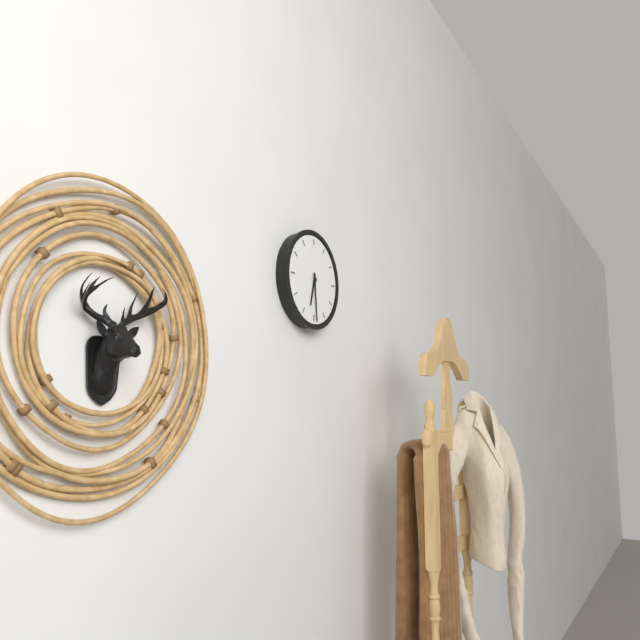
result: 6 h 29 min
